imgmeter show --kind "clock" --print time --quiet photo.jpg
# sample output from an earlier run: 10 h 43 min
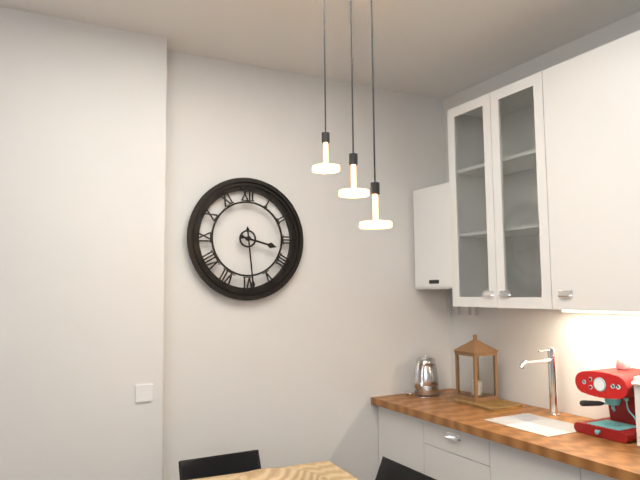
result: 3 h 29 min
